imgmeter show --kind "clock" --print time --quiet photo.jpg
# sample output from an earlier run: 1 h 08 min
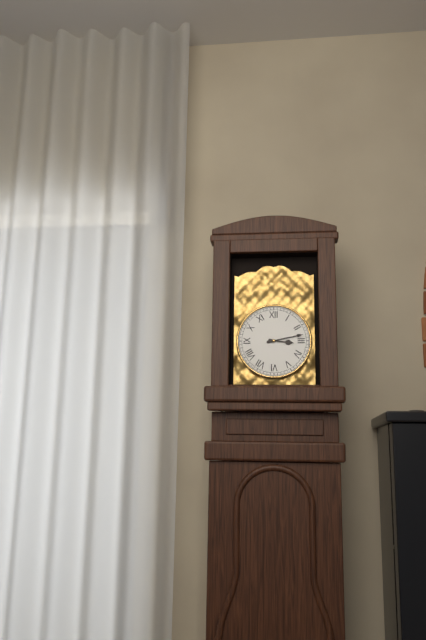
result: 3 h 13 min
